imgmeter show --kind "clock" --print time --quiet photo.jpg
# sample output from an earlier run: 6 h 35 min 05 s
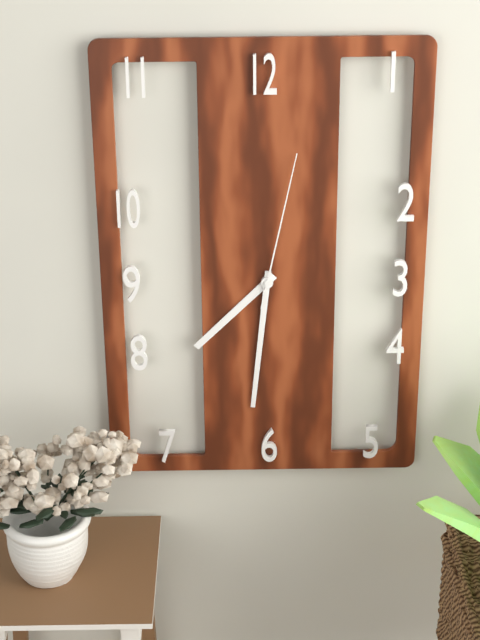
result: 7 h 31 min 02 s
